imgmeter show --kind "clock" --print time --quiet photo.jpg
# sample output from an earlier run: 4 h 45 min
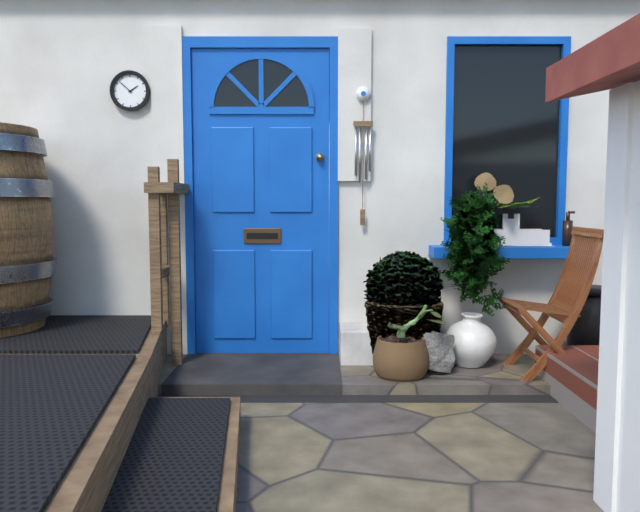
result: 1 h 52 min
